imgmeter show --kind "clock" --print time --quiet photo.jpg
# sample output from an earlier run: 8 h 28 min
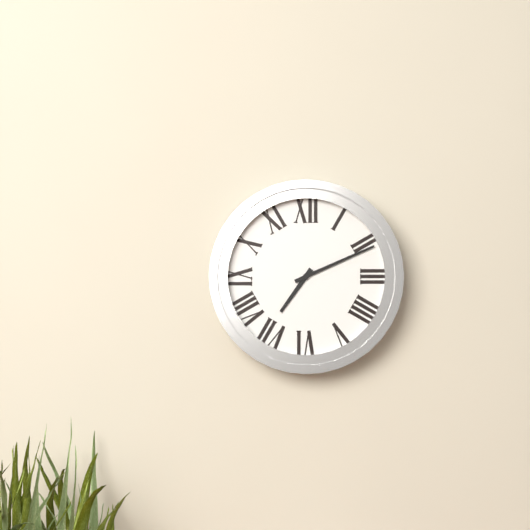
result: 7 h 11 min
